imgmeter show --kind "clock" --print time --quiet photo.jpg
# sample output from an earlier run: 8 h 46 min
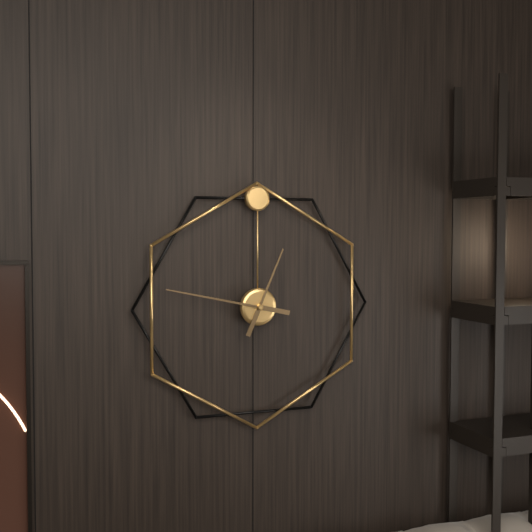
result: 12 h 47 min
